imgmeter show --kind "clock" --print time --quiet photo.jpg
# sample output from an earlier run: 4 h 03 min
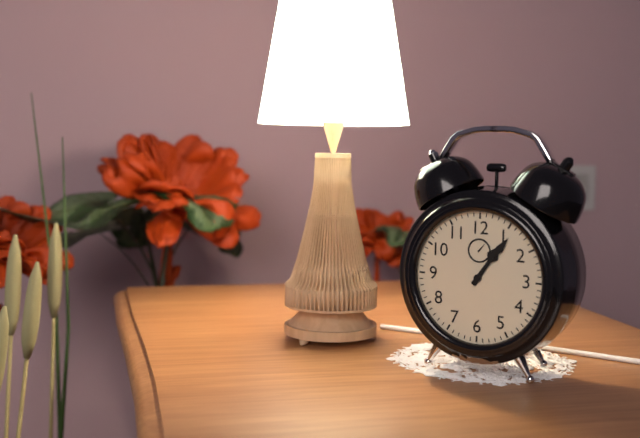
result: 1 h 06 min
